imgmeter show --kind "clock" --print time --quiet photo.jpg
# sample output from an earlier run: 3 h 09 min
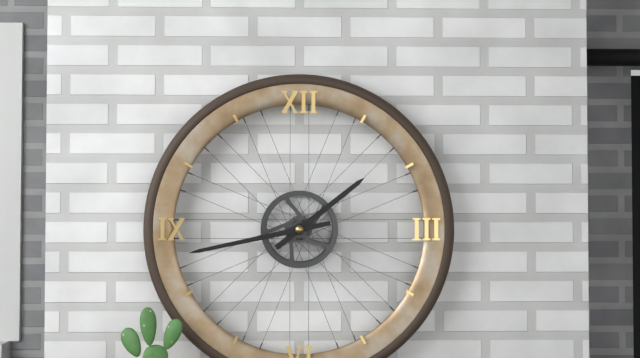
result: 1 h 43 min
